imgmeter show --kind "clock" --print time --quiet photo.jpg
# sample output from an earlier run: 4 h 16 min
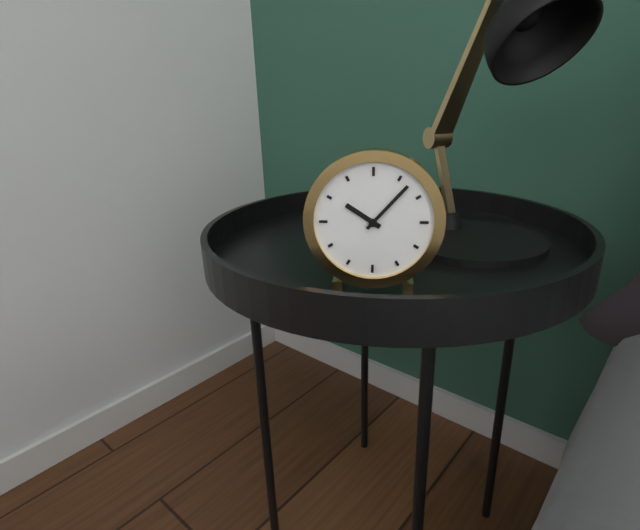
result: 10 h 07 min
